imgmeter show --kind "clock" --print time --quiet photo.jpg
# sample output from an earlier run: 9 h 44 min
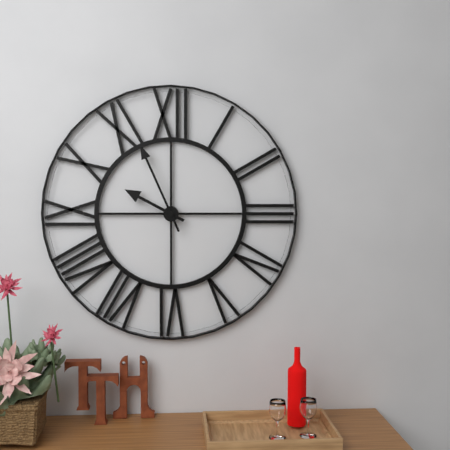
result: 9 h 56 min
